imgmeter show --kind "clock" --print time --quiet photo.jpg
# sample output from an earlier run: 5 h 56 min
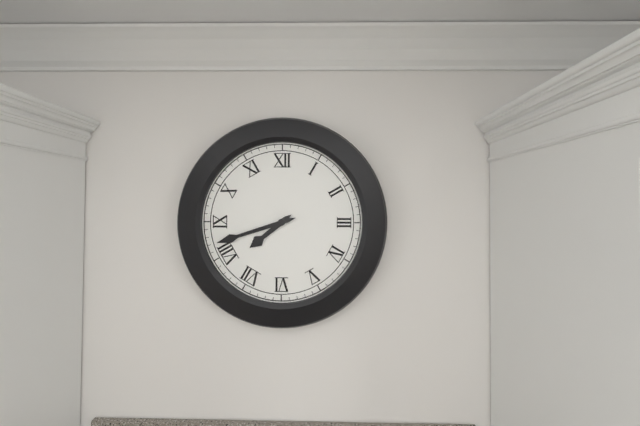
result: 7 h 42 min
